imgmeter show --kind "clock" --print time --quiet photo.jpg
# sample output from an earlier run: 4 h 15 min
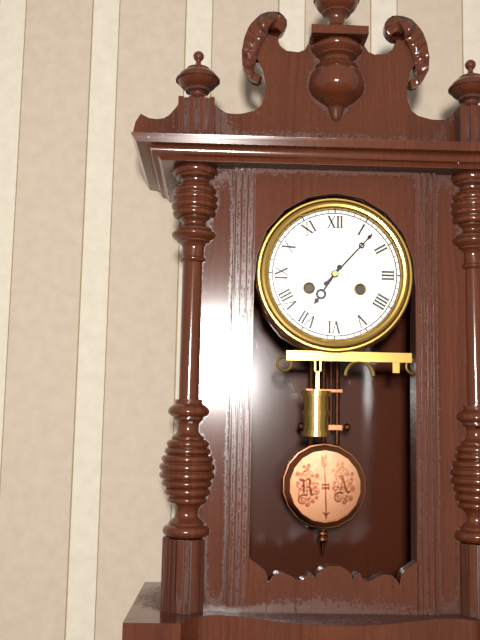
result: 7 h 07 min
